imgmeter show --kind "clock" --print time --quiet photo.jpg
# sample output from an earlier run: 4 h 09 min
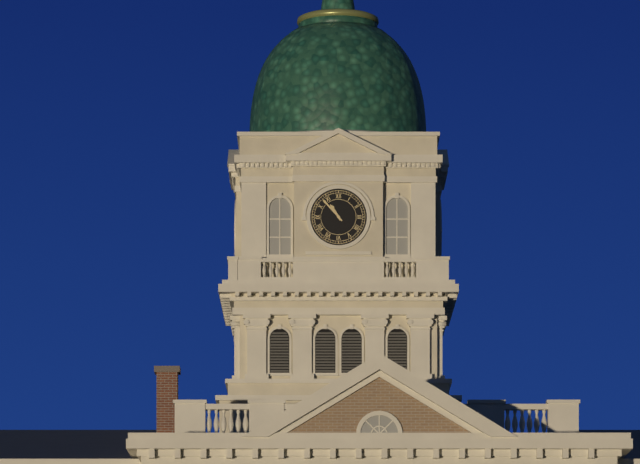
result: 10 h 53 min
